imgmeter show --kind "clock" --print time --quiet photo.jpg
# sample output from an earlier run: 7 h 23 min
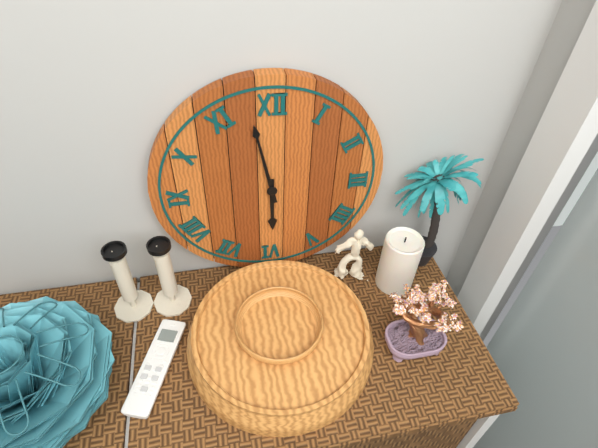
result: 5 h 58 min
